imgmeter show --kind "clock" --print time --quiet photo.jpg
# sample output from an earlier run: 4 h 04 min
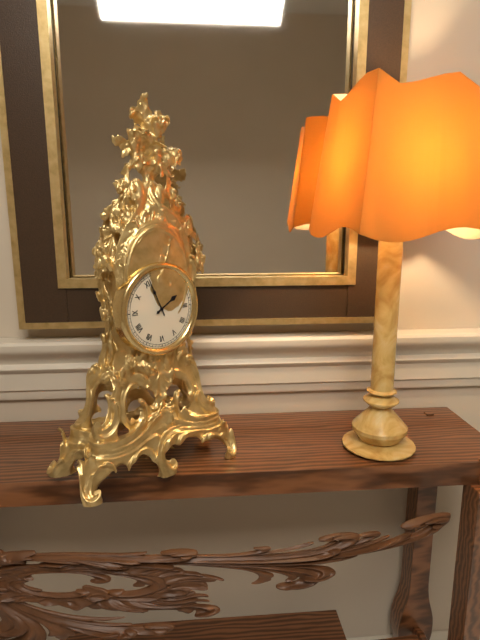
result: 1 h 56 min
